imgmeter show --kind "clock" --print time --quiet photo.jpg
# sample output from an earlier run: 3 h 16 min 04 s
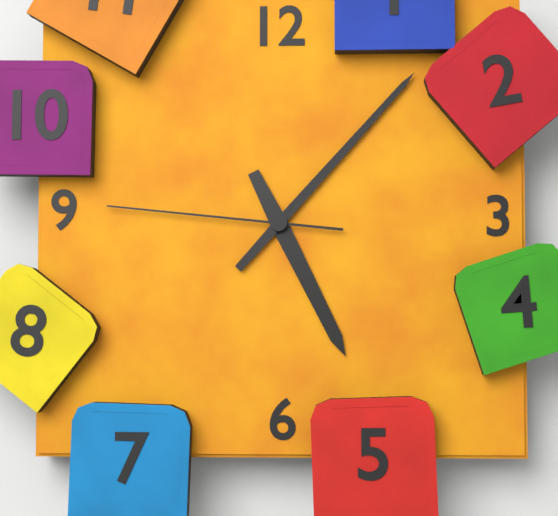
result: 5 h 07 min 46 s
